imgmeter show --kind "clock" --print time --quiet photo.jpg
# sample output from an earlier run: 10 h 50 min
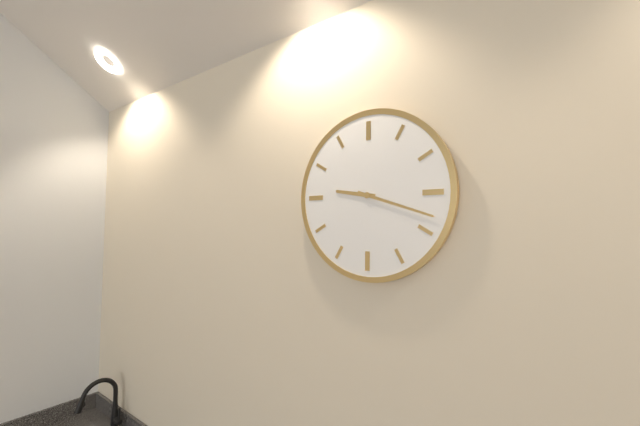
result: 9 h 18 min
